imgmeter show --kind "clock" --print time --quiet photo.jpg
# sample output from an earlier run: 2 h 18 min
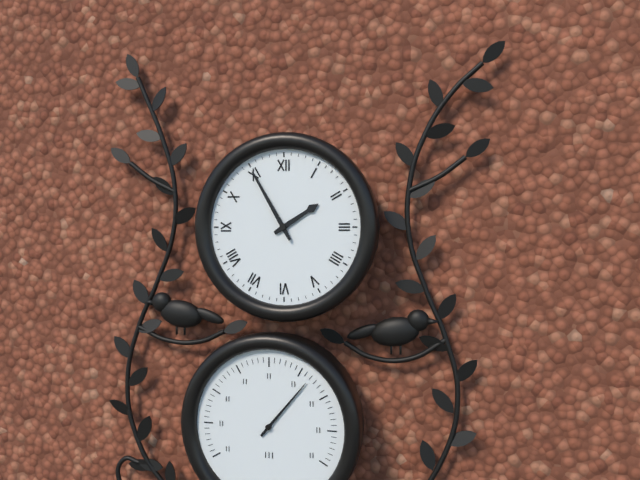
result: 1 h 55 min
